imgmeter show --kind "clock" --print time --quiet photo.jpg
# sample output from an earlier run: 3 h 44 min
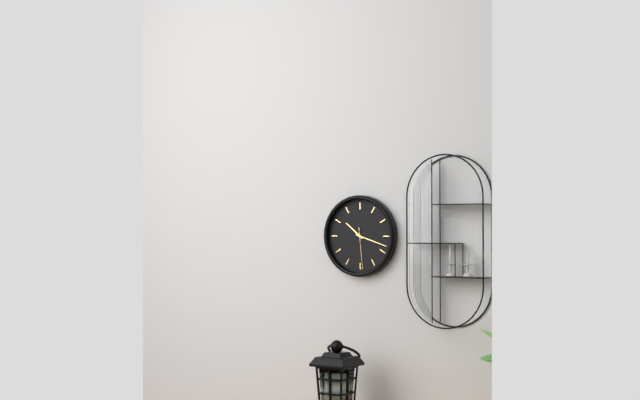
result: 10 h 18 min
